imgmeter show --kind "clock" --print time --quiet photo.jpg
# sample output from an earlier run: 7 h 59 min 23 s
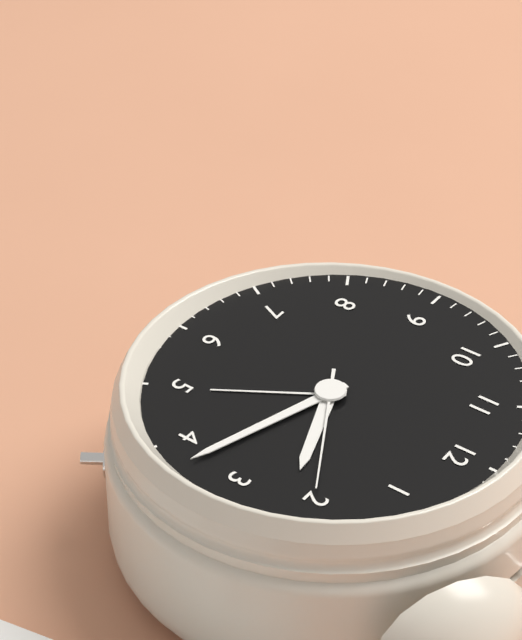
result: 2 h 18 min 10 s
